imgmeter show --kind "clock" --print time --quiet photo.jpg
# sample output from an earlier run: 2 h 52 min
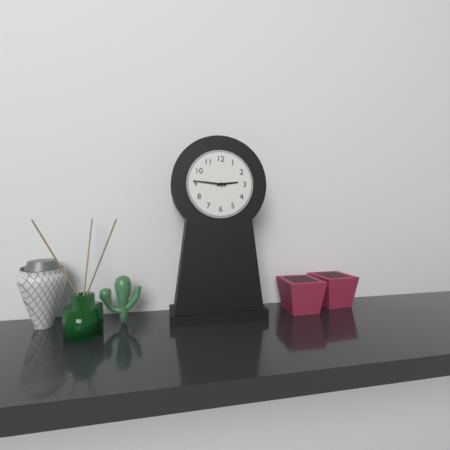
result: 2 h 46 min
